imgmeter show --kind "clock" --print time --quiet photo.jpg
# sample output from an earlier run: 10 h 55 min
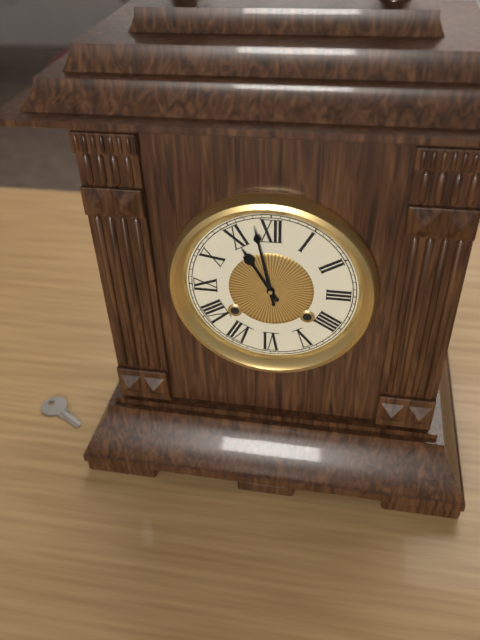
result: 10 h 58 min
